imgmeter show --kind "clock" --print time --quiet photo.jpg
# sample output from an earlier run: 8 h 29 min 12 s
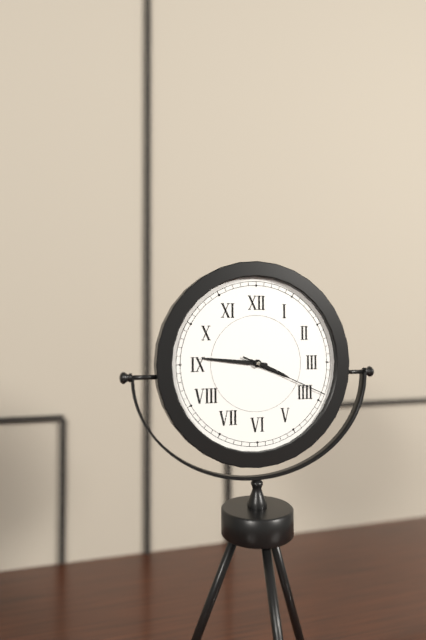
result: 3 h 46 min 19 s
